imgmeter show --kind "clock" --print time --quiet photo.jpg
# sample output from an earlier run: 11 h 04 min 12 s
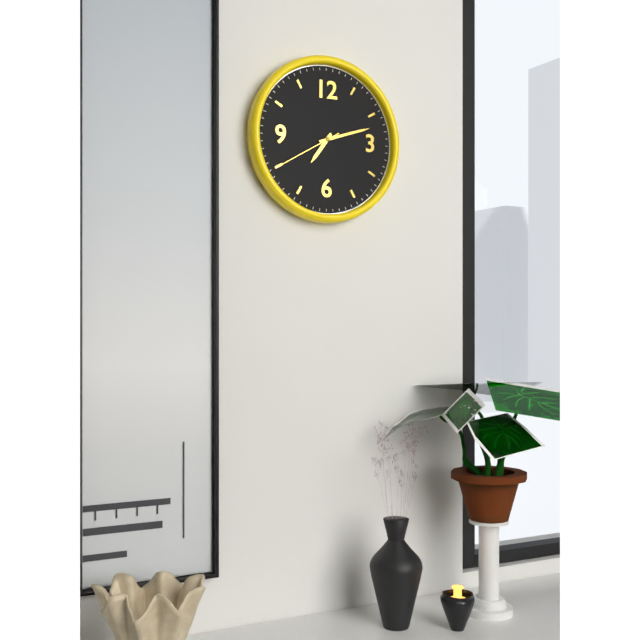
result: 7 h 12 min 40 s
